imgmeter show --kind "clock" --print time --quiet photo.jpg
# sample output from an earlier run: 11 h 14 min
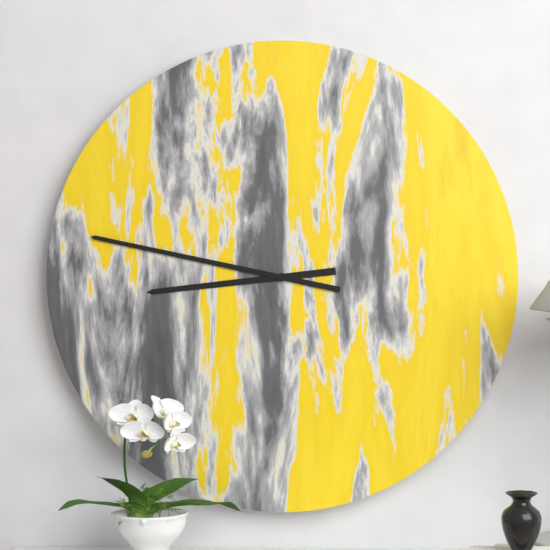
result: 8 h 47 min
